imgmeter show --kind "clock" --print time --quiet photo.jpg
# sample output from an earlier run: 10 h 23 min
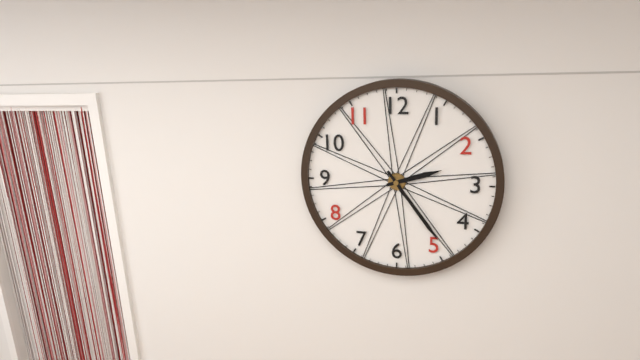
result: 2 h 24 min
